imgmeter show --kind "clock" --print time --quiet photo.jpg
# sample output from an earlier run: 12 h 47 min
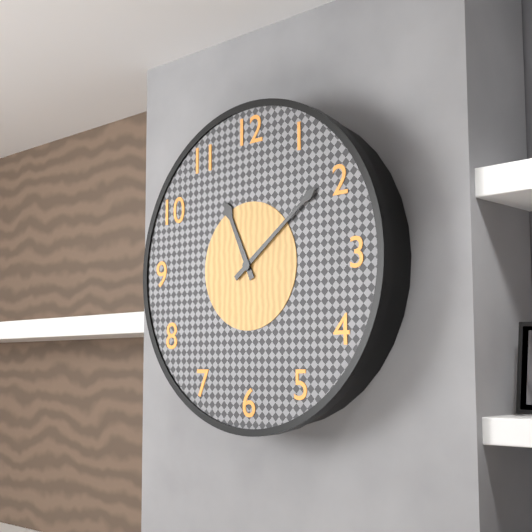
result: 11 h 09 min
